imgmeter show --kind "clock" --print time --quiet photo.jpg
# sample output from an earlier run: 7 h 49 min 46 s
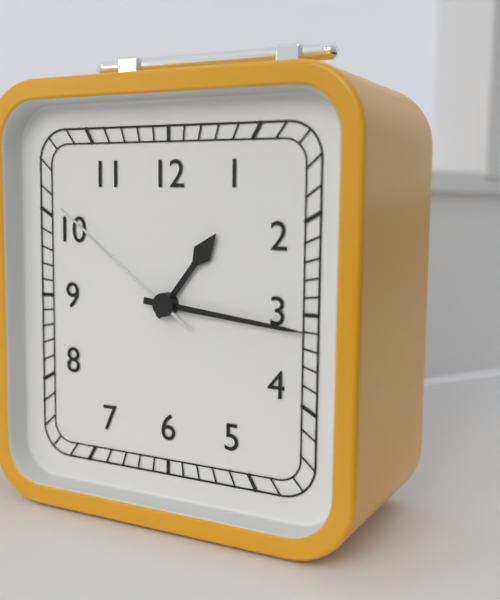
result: 1 h 16 min 51 s
